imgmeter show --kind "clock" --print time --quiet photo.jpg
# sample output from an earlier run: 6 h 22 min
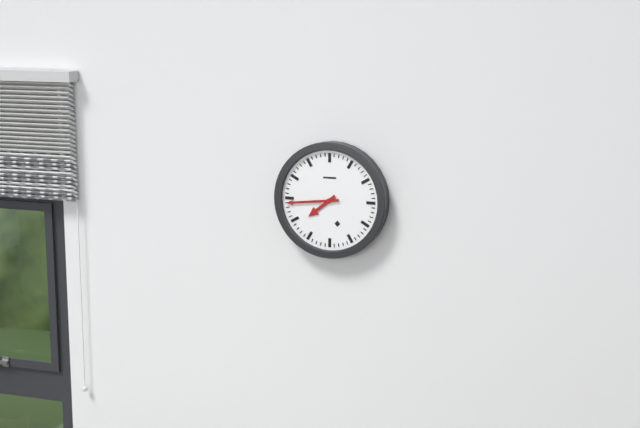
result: 7 h 44 min
